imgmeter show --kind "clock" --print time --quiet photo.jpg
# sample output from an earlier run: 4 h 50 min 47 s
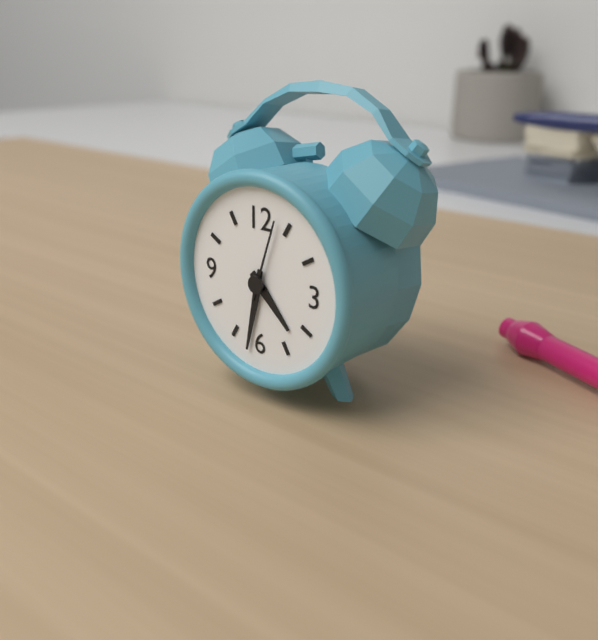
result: 4 h 32 min 03 s
